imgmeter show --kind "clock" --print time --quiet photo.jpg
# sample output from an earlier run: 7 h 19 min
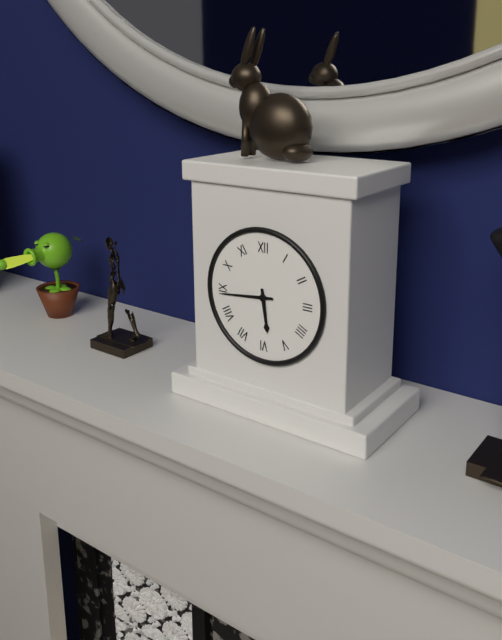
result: 5 h 44 min
